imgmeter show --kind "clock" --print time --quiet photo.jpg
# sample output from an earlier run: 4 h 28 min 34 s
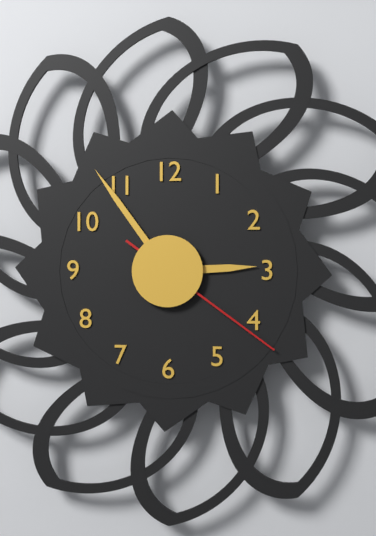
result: 2 h 54 min 21 s
